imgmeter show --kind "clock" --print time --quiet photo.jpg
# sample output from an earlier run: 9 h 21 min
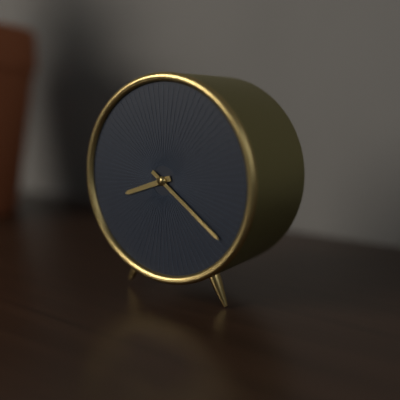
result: 8 h 21 min
